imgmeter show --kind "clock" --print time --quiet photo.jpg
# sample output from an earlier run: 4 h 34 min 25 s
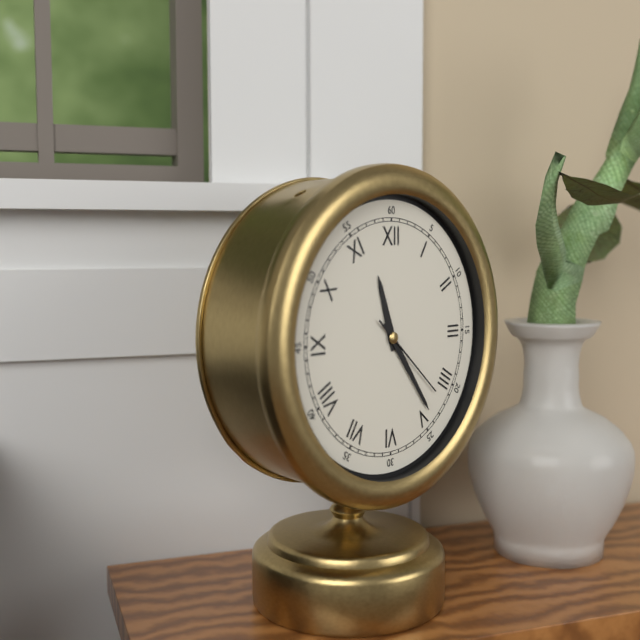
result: 11 h 24 min 22 s
